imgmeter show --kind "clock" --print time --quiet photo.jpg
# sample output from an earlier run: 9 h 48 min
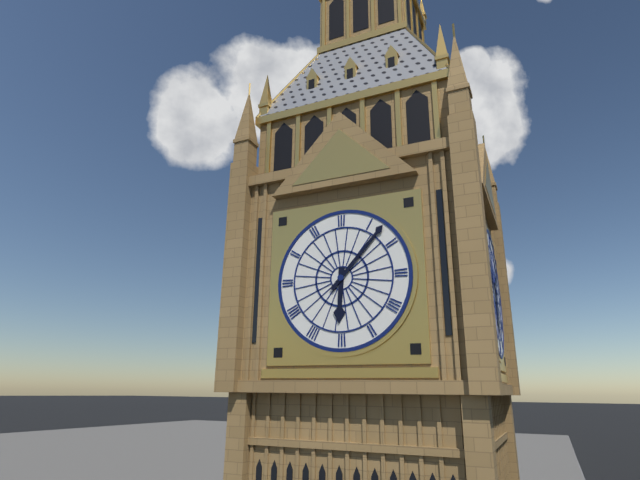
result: 6 h 07 min
